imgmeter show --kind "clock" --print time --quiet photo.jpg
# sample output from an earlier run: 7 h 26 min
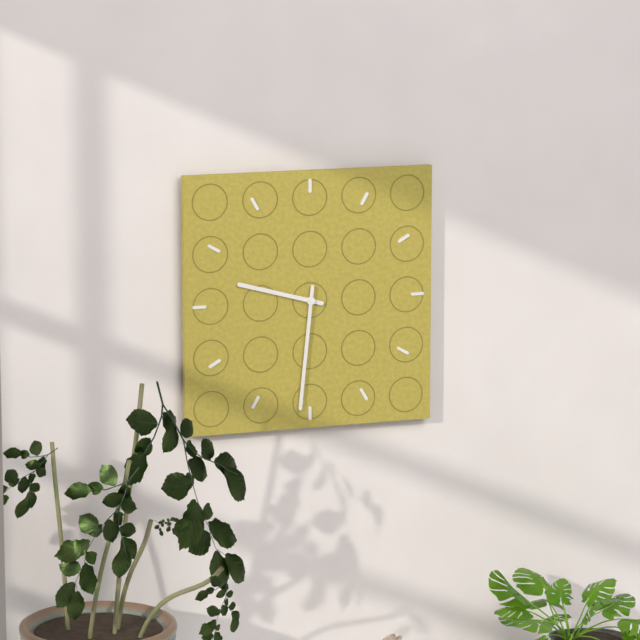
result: 9 h 31 min
